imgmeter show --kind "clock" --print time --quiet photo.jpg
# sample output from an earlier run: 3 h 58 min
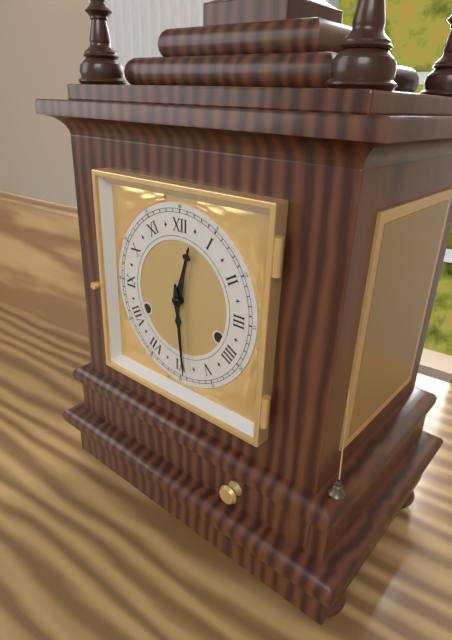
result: 12 h 29 min
